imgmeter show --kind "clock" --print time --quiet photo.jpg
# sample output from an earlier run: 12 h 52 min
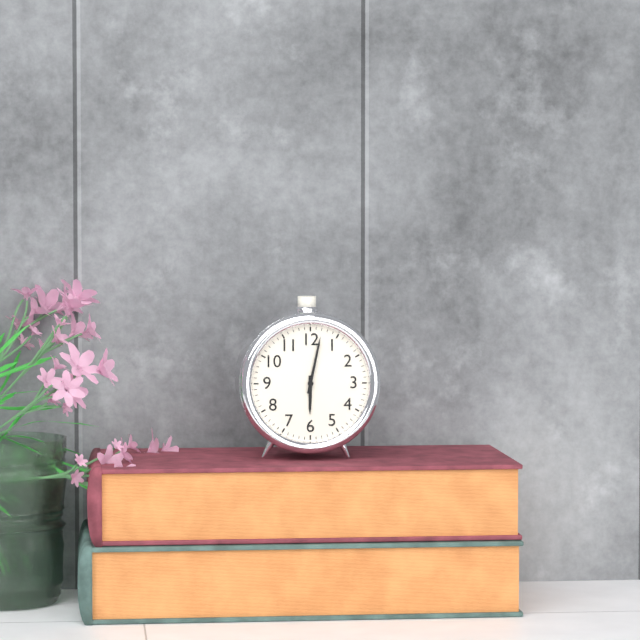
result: 6 h 02 min
